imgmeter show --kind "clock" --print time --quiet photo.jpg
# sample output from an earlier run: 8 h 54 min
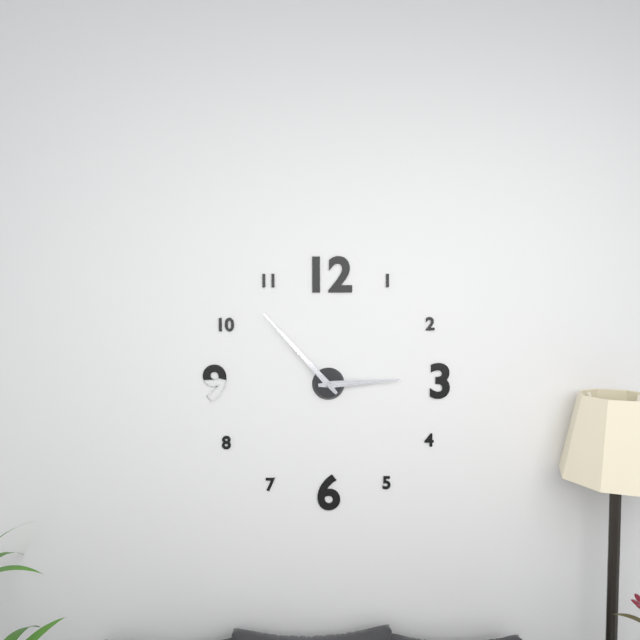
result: 2 h 53 min
